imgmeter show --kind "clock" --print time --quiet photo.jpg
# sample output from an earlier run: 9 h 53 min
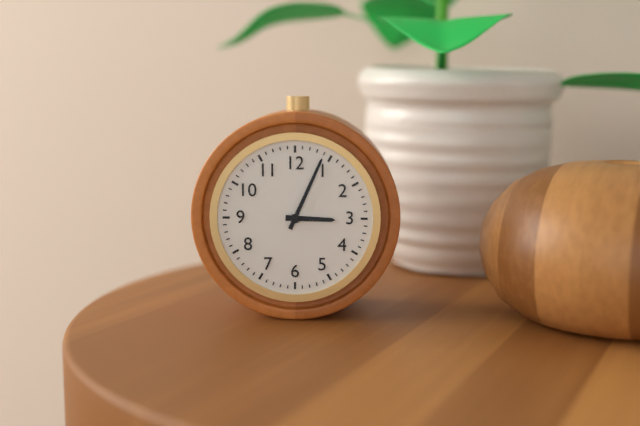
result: 3 h 04 min
